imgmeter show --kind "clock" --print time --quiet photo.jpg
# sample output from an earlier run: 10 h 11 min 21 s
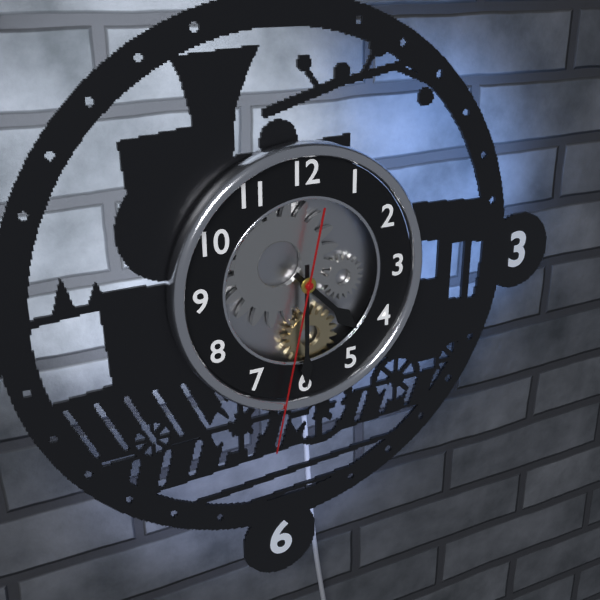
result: 4 h 30 min 32 s
